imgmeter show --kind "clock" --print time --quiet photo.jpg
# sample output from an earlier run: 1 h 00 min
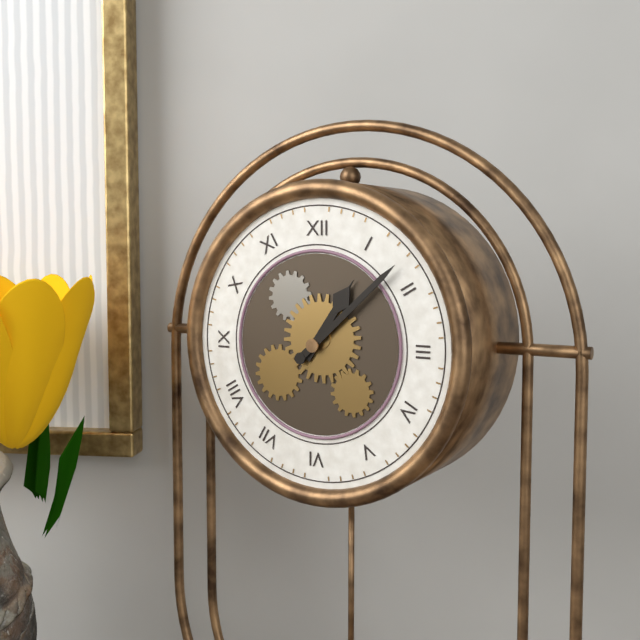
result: 1 h 08 min
